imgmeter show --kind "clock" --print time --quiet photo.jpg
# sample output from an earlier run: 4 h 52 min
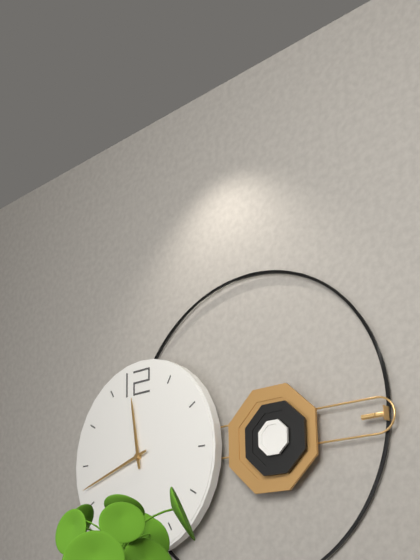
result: 11 h 42 min
